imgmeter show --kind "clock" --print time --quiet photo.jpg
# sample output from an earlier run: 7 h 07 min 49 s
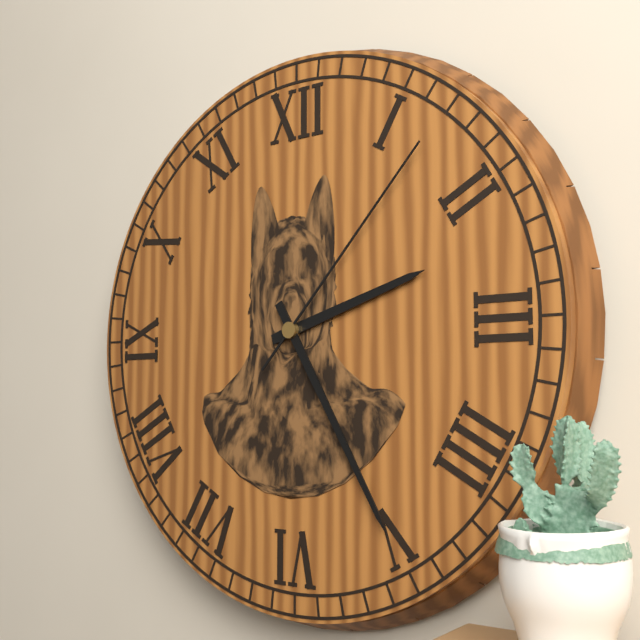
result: 2 h 25 min 07 s
